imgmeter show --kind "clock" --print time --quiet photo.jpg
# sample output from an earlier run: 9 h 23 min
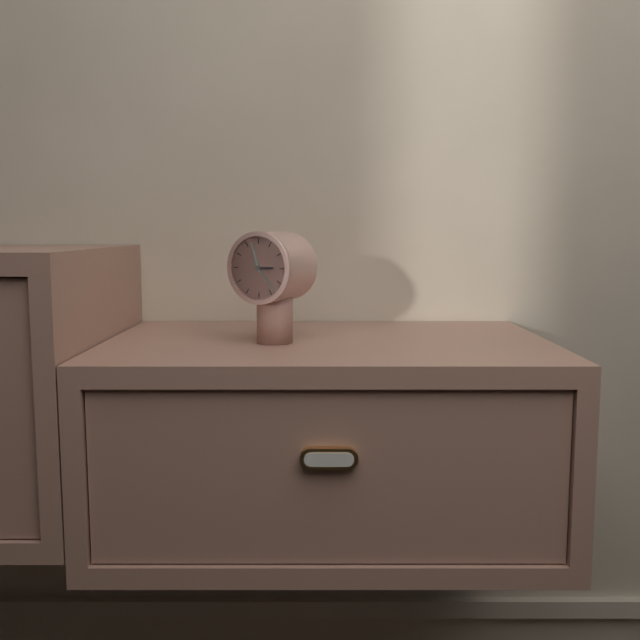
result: 2 h 57 min
